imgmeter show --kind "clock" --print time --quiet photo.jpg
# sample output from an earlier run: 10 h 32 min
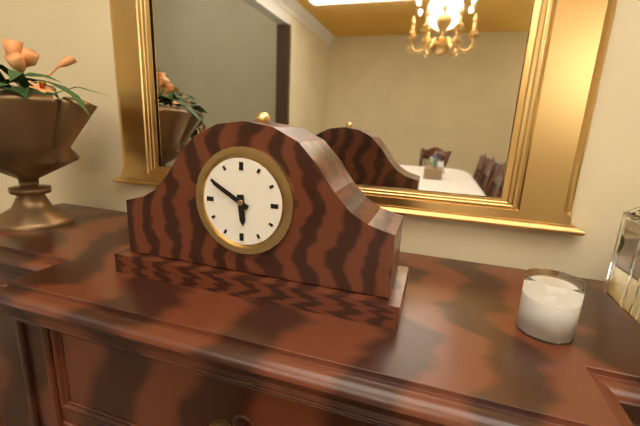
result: 5 h 50 min
